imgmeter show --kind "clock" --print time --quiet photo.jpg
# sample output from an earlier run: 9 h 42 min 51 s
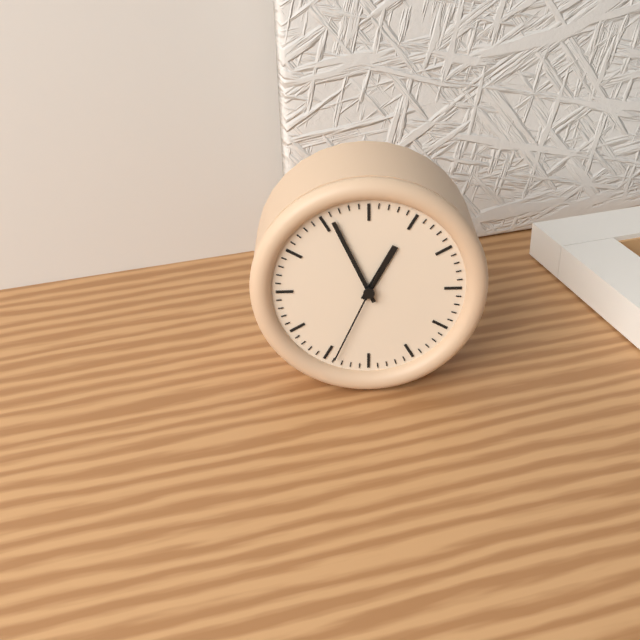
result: 12 h 56 min 34 s
